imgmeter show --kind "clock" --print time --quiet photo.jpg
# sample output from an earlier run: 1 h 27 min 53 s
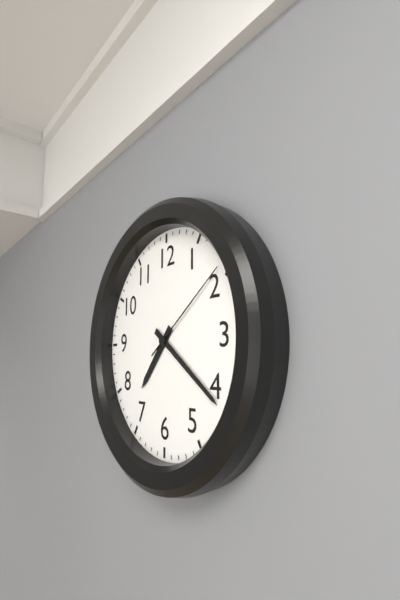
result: 7 h 21 min 09 s
